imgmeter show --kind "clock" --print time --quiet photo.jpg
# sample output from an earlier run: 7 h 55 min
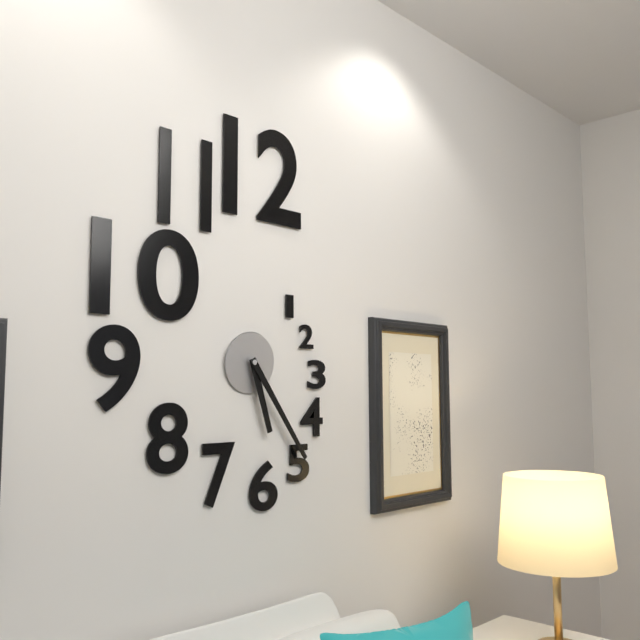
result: 5 h 24 min
